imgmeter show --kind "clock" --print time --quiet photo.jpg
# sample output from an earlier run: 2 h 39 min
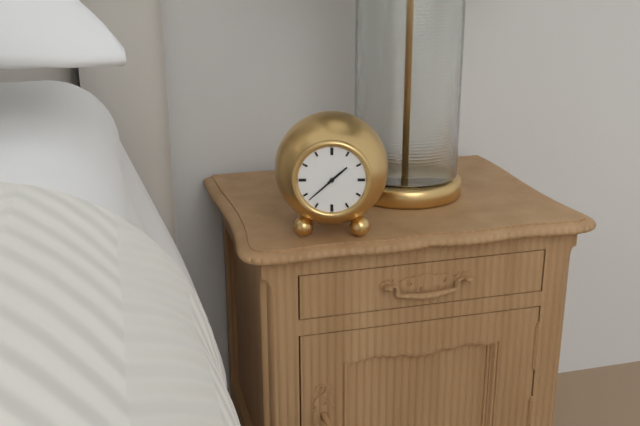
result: 1 h 38 min
